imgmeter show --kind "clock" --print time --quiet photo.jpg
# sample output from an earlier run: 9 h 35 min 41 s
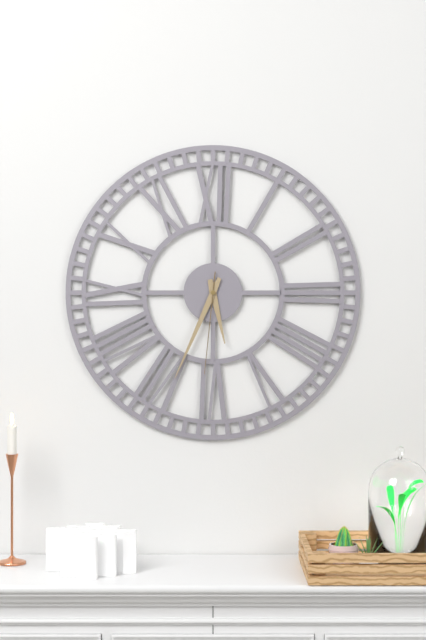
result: 5 h 34 min 31 s
